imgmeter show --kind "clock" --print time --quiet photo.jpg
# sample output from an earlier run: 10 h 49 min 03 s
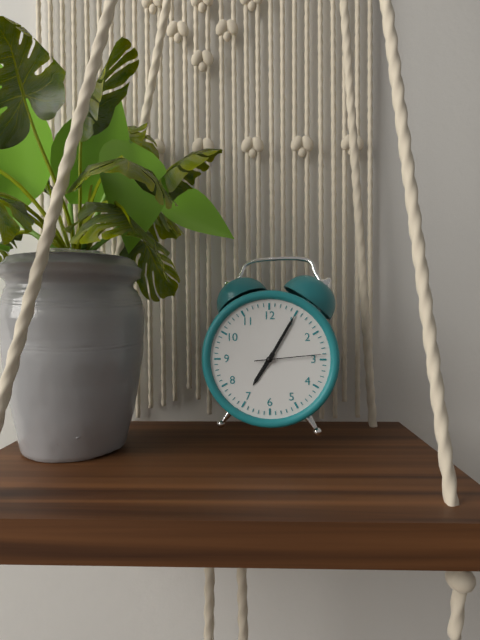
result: 7 h 05 min 14 s
